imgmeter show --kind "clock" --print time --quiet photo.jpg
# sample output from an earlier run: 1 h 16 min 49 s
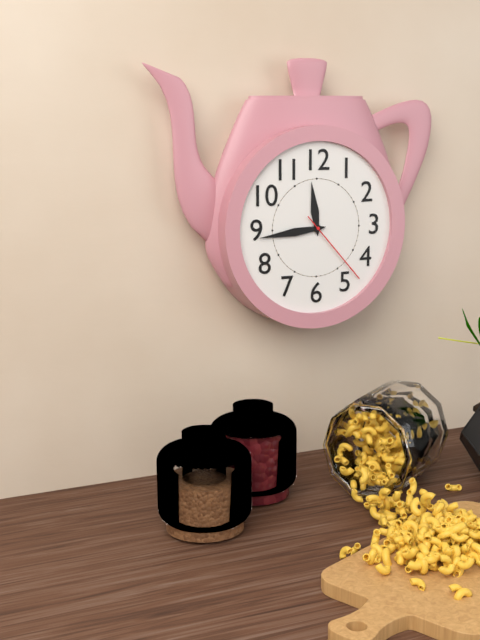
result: 11 h 44 min 23 s
